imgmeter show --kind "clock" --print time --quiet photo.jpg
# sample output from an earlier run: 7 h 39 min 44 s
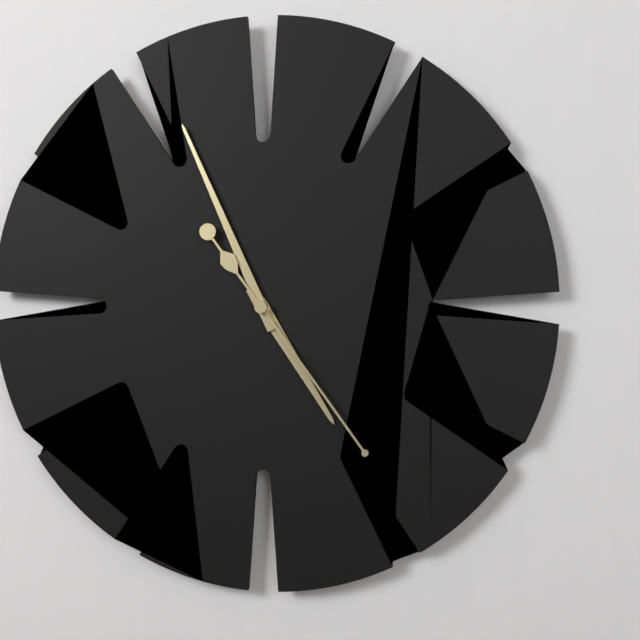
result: 4 h 56 min 24 s
